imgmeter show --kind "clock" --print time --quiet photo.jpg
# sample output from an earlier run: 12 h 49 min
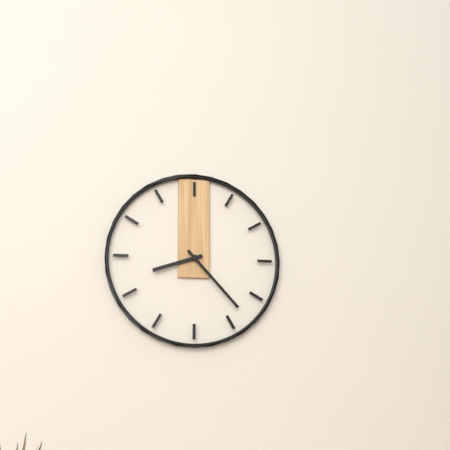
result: 8 h 23 min
